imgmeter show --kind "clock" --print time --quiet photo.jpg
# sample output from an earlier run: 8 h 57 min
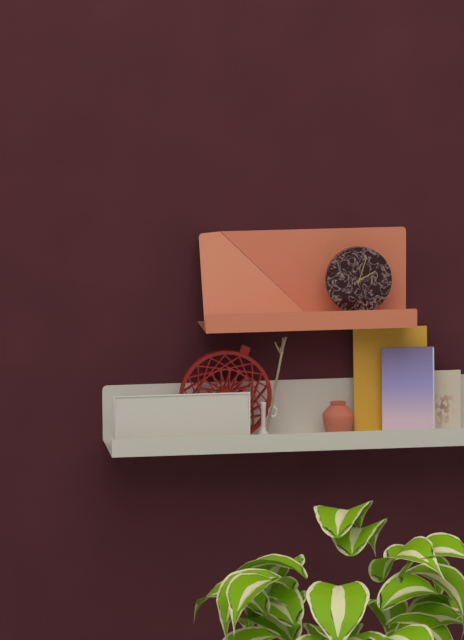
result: 2 h 03 min
